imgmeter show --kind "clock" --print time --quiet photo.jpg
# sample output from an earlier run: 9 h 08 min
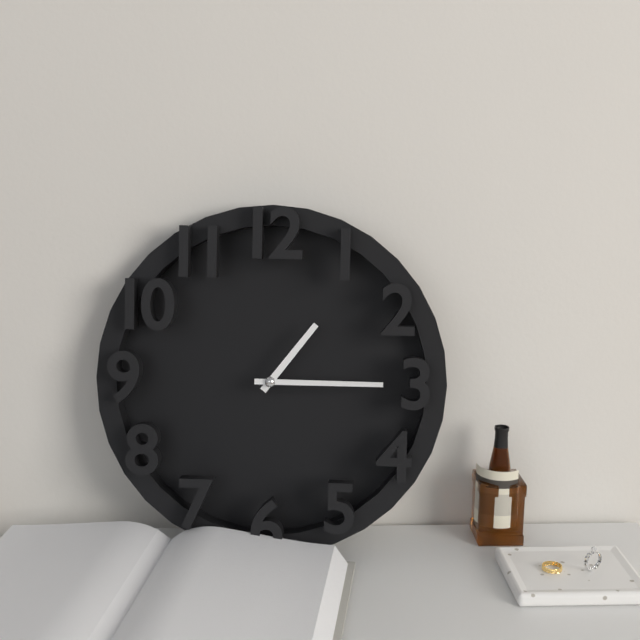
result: 1 h 15 min
